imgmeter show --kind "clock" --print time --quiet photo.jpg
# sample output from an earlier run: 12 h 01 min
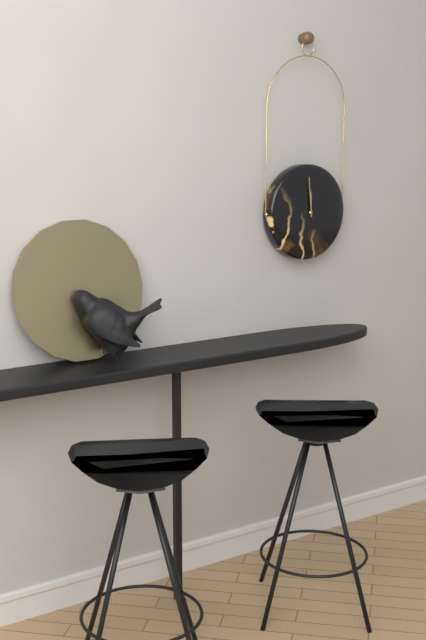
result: 11 h 59 min
